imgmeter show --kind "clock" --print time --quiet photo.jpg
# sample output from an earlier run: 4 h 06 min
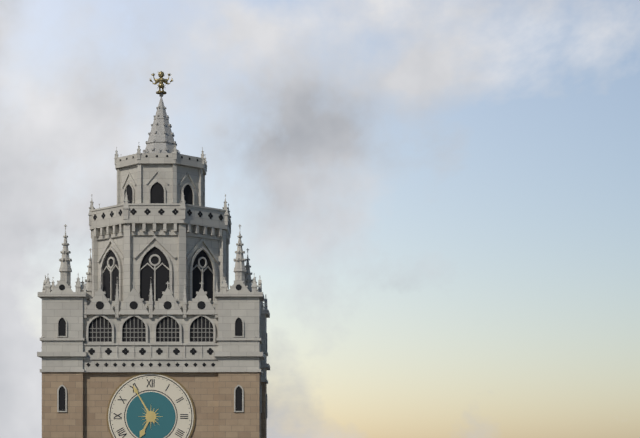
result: 6 h 55 min
